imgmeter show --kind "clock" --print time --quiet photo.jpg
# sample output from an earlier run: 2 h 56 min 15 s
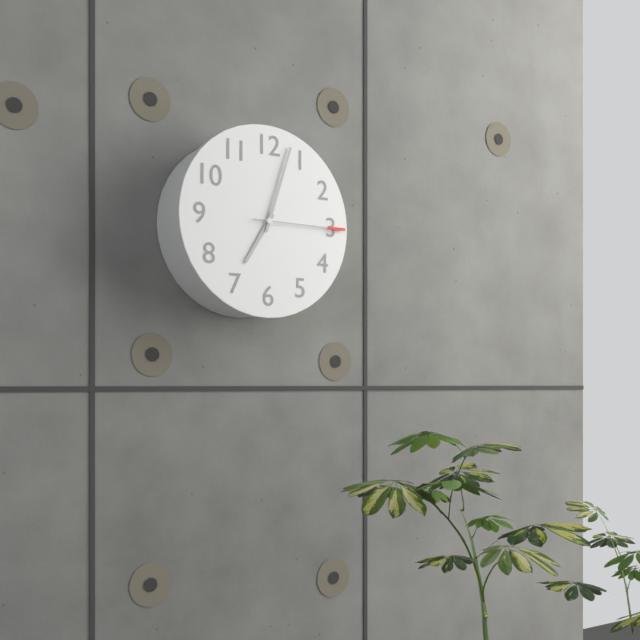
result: 7 h 03 min 15 s
